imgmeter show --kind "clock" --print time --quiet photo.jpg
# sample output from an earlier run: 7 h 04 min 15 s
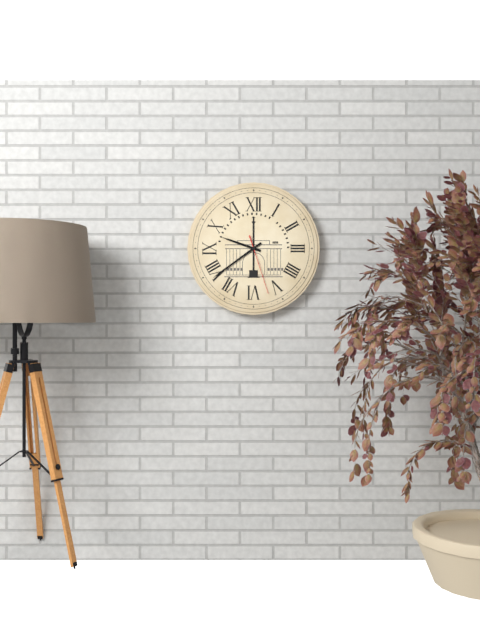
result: 9 h 39 min 27 s
